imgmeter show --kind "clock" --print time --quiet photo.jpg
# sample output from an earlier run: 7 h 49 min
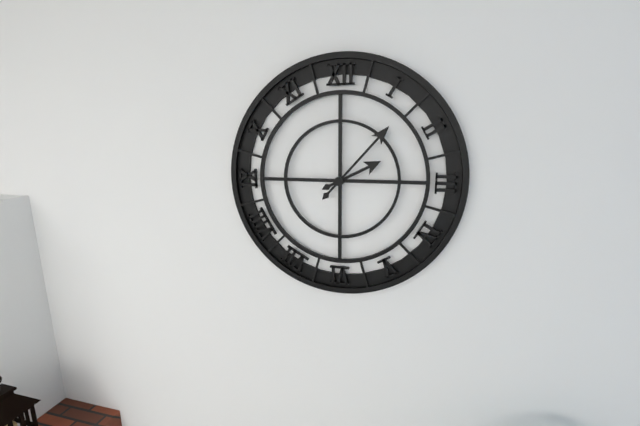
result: 2 h 07 min
